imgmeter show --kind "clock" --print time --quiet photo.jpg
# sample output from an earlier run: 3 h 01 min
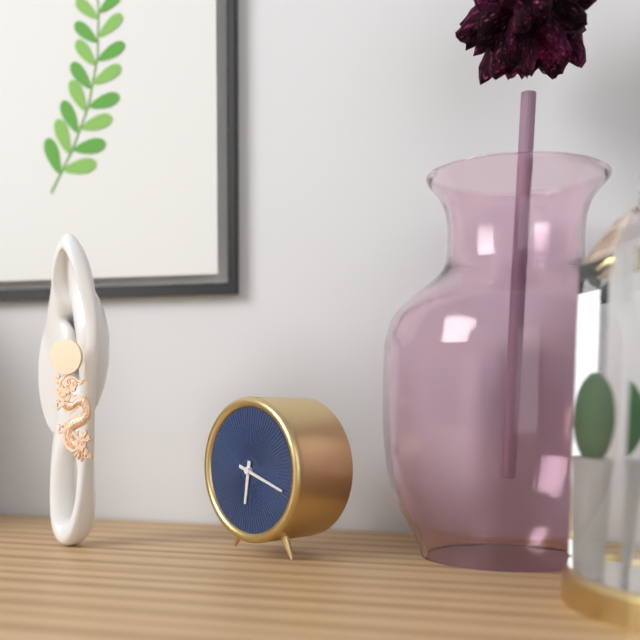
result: 6 h 18 min
